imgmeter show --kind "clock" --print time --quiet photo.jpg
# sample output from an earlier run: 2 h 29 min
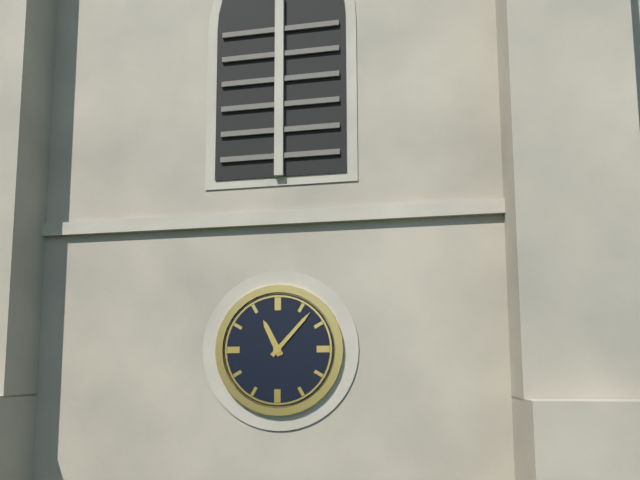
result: 11 h 07 min
